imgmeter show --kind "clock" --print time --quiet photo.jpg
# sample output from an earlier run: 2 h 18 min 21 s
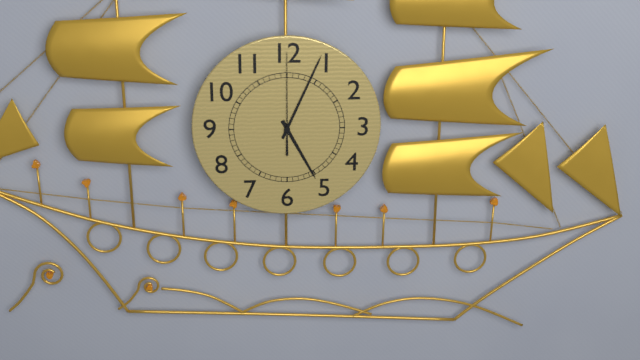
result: 5 h 04 min 00 s
